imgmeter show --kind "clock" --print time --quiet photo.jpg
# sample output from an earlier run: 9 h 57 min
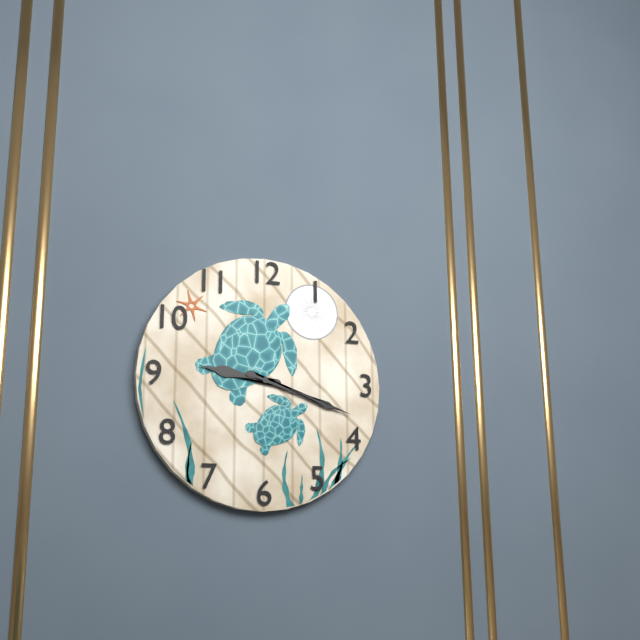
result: 9 h 18 min
